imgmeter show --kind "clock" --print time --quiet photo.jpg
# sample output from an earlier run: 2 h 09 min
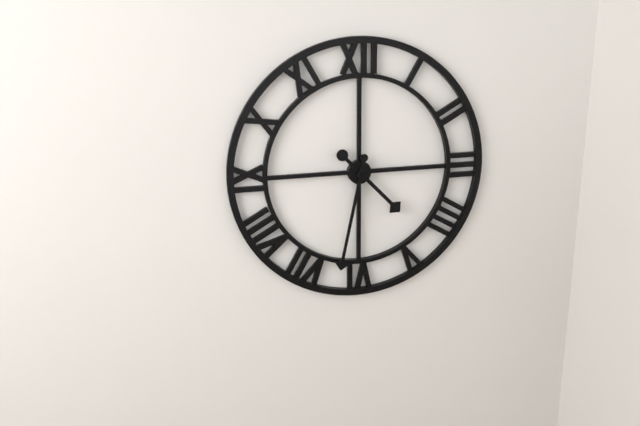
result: 4 h 32 min
